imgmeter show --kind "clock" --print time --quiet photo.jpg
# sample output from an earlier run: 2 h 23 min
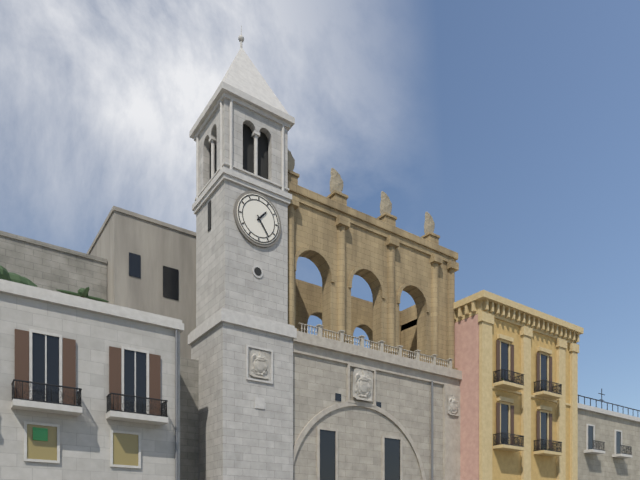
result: 1 h 24 min
